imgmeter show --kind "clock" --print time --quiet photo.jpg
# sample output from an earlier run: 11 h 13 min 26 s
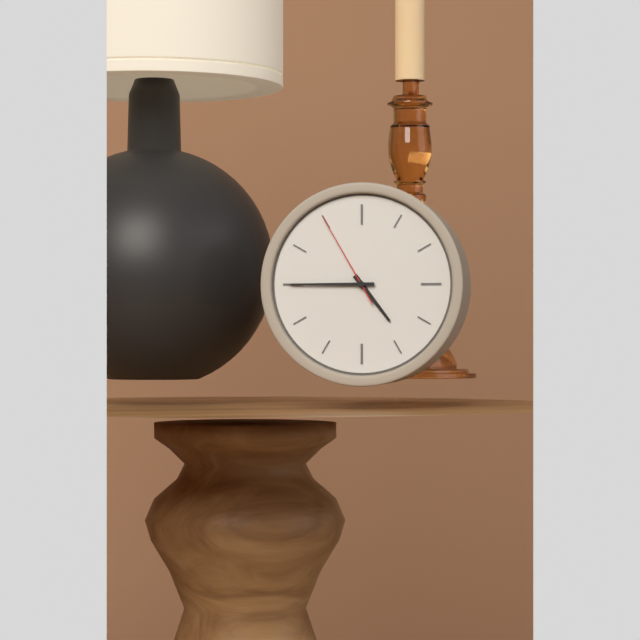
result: 4 h 45 min 55 s
